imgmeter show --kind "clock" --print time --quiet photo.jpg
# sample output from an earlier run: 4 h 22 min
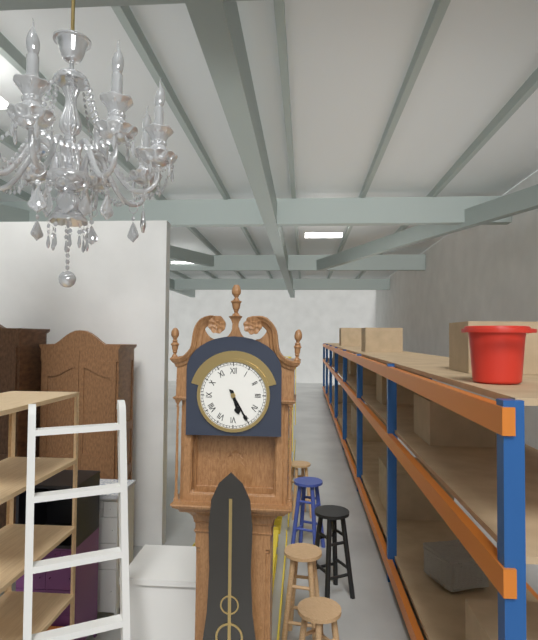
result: 5 h 25 min
